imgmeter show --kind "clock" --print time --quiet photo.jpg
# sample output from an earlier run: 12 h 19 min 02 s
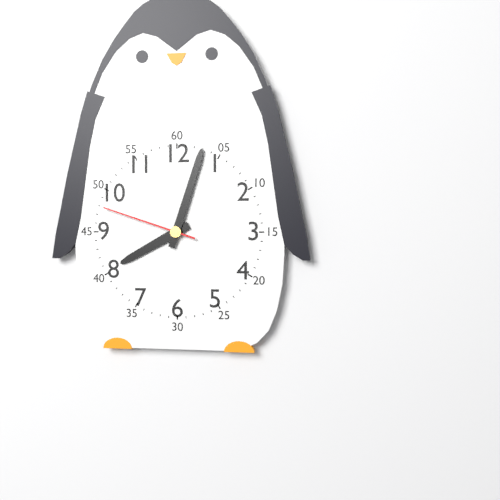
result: 8 h 03 min 48 s
